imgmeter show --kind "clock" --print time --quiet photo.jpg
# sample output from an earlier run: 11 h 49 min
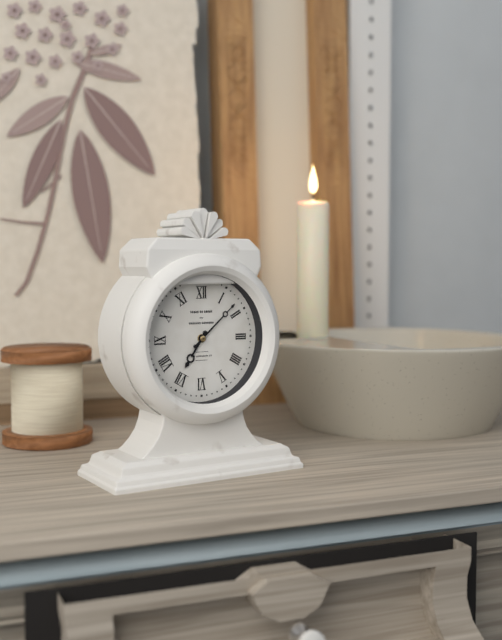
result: 7 h 08 min
